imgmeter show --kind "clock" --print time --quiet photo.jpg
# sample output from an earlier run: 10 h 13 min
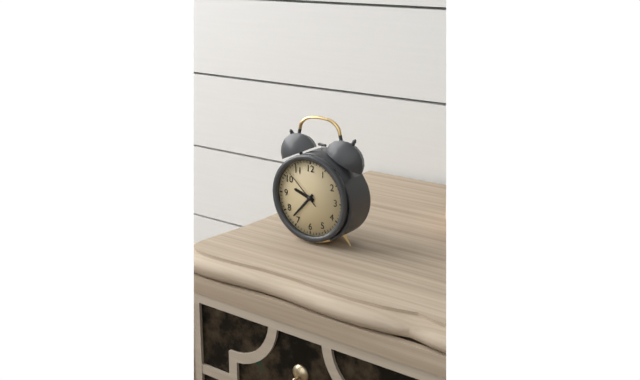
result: 9 h 37 min
